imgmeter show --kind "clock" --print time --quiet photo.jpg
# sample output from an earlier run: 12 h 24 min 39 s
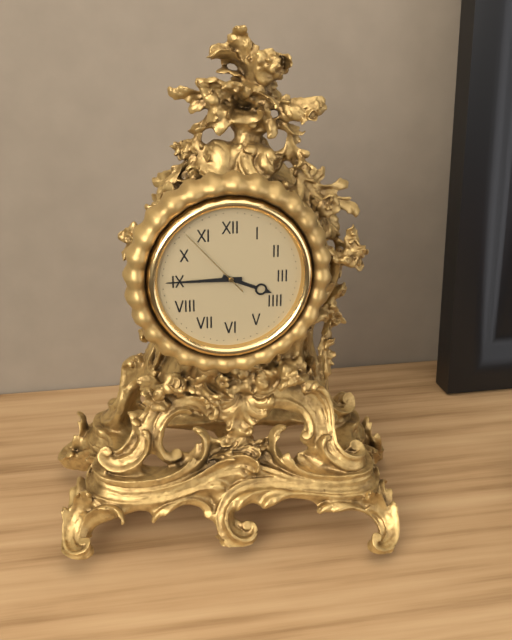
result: 3 h 45 min 53 s
